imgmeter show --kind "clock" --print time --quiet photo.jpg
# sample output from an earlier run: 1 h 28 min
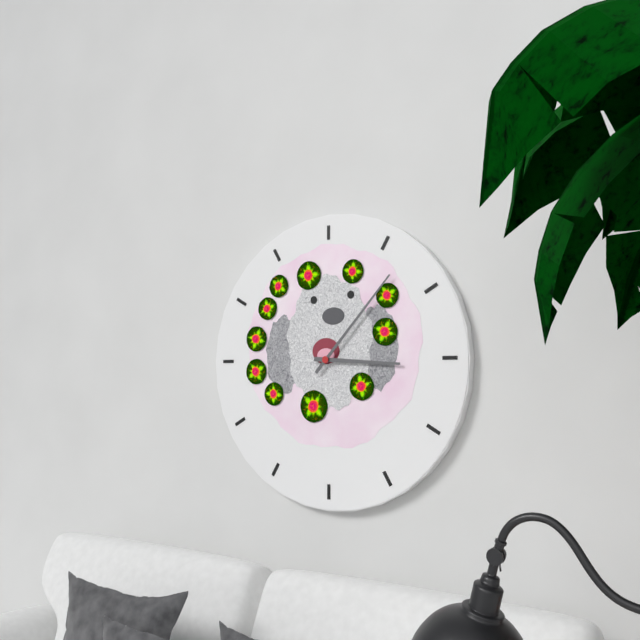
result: 3 h 07 min
